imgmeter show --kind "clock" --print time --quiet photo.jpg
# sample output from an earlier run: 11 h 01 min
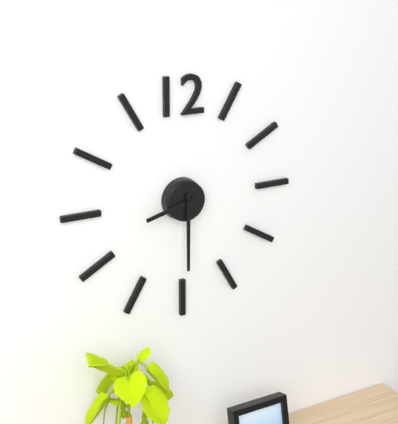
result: 8 h 30 min
